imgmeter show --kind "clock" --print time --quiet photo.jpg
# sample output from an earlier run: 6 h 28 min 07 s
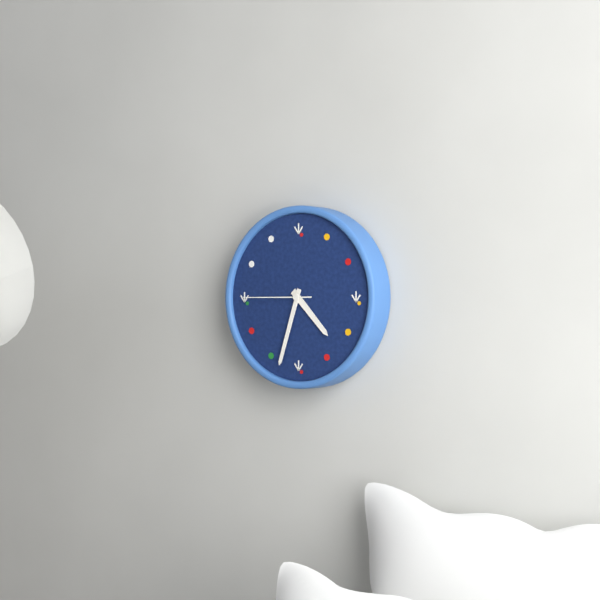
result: 4 h 33 min 45 s
